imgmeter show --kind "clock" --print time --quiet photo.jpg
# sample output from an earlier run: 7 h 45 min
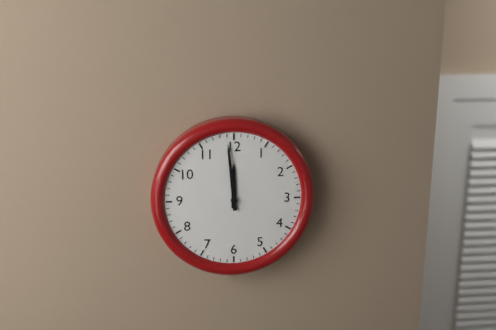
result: 11 h 59 min
